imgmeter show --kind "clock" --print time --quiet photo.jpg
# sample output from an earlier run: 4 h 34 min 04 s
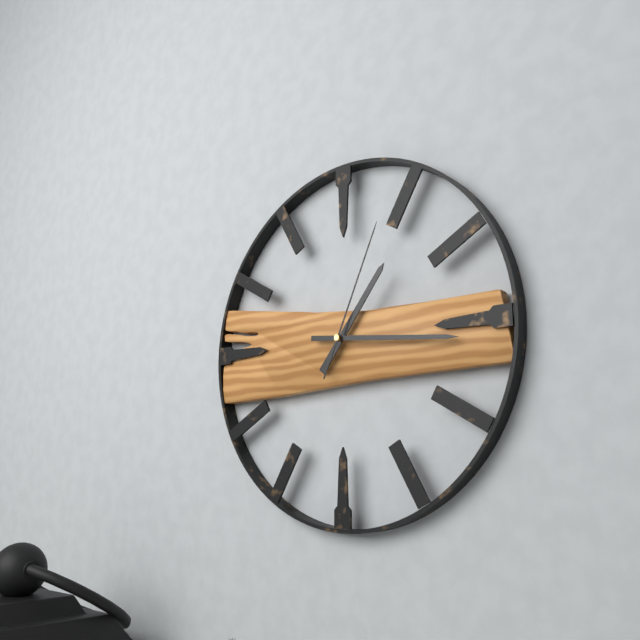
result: 1 h 16 min 04 s
